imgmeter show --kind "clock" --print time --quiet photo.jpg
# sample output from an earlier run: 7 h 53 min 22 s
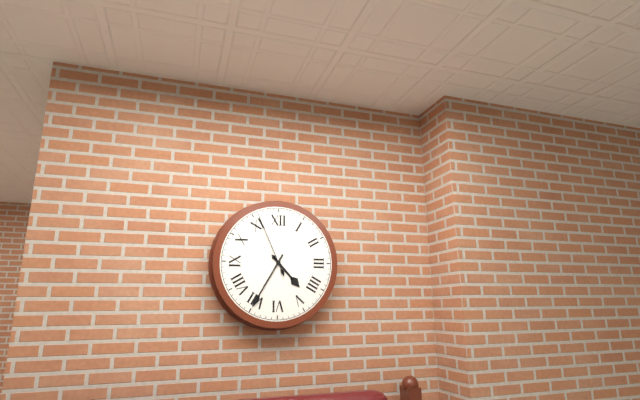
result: 4 h 35 min 56 s
